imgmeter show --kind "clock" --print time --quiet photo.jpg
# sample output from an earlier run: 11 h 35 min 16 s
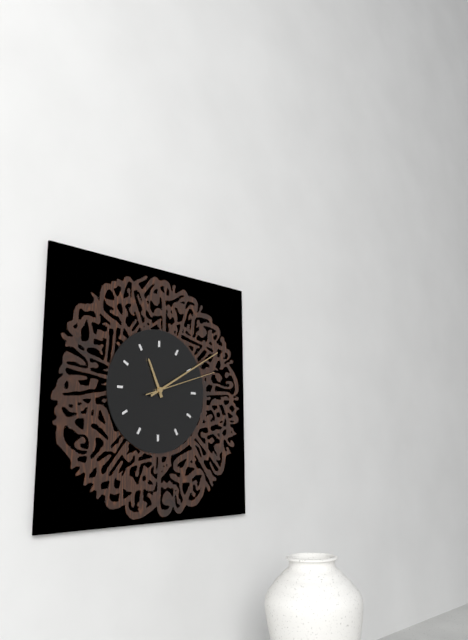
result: 11 h 10 min 12 s
